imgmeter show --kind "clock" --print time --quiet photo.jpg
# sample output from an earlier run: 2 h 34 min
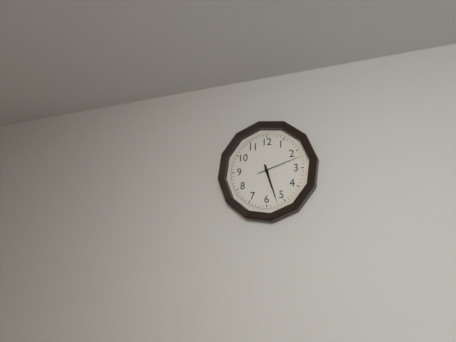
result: 5 h 27 min
